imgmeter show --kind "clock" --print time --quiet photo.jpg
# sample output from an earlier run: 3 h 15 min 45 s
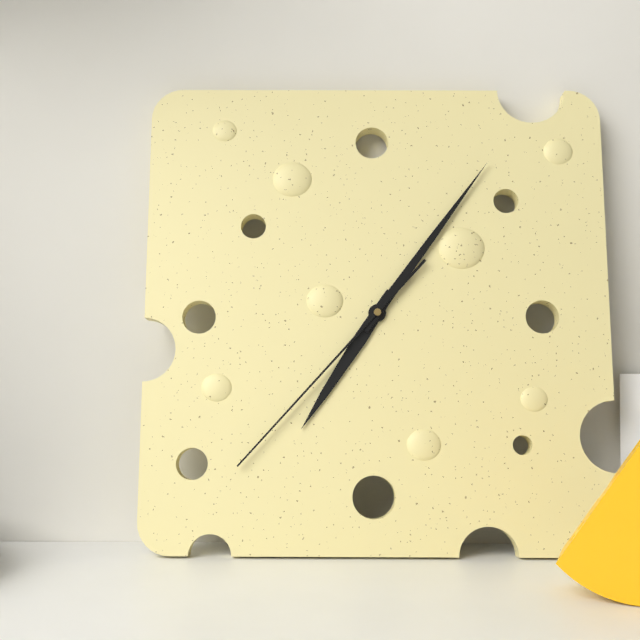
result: 7 h 06 min 37 s
